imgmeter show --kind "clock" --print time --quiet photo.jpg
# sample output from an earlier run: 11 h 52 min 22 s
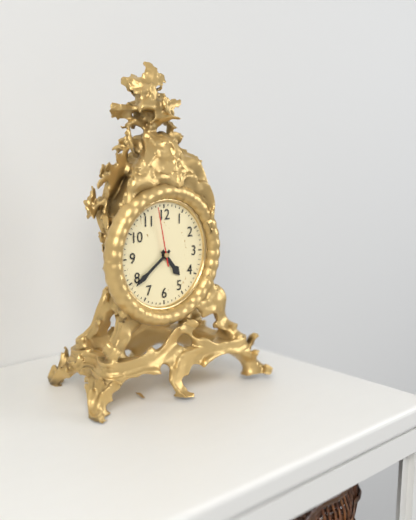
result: 4 h 39 min 58 s
